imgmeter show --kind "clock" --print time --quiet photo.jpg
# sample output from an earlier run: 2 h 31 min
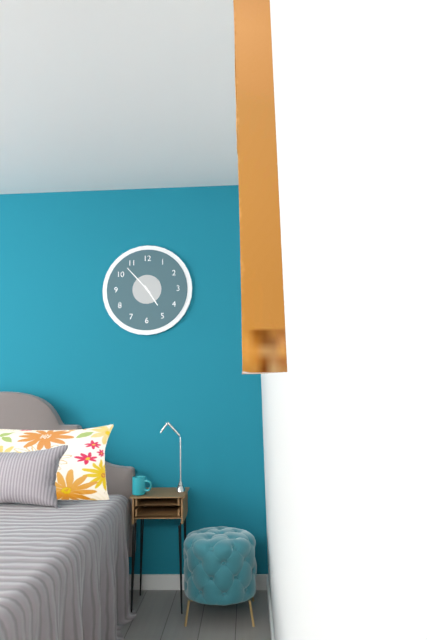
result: 4 h 53 min
